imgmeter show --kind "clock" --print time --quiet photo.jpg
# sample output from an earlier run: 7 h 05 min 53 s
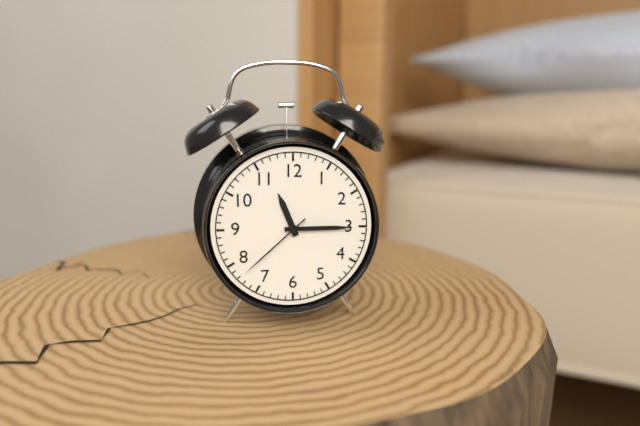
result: 11 h 15 min 38 s
